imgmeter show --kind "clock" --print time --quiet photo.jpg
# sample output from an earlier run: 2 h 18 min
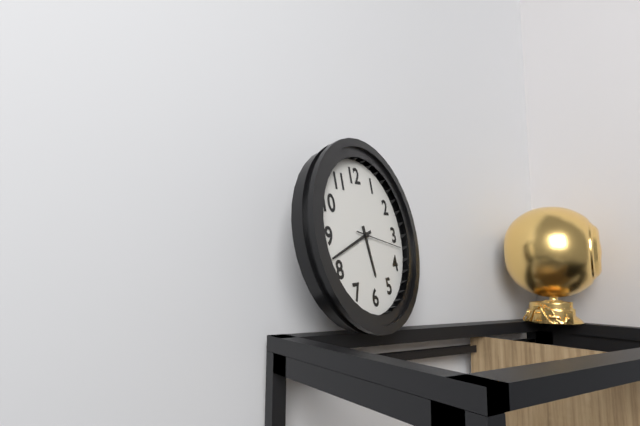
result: 5 h 42 min
